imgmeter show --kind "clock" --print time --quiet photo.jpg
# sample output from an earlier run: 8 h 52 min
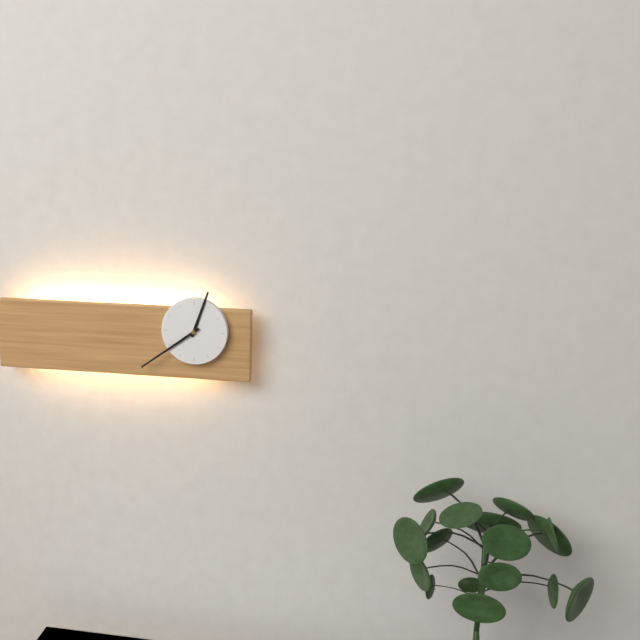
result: 12 h 39 min
